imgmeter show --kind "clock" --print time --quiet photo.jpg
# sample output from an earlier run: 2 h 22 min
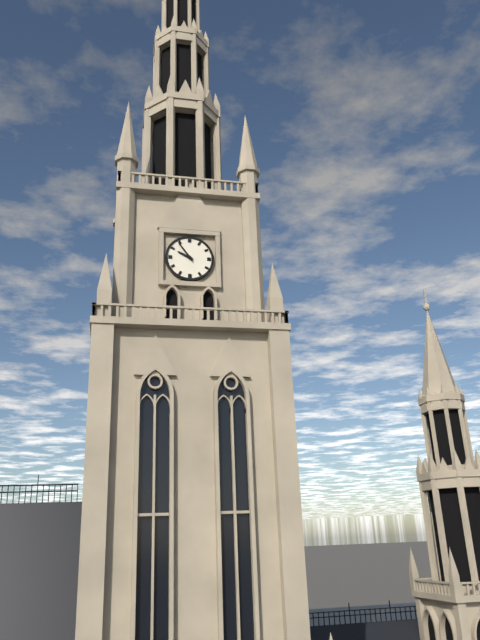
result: 9 h 54 min
